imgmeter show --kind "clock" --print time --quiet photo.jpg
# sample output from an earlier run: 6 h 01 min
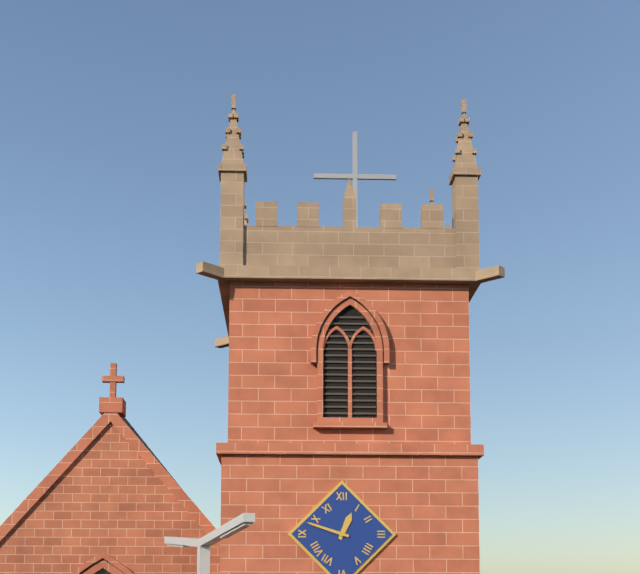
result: 12 h 48 min
